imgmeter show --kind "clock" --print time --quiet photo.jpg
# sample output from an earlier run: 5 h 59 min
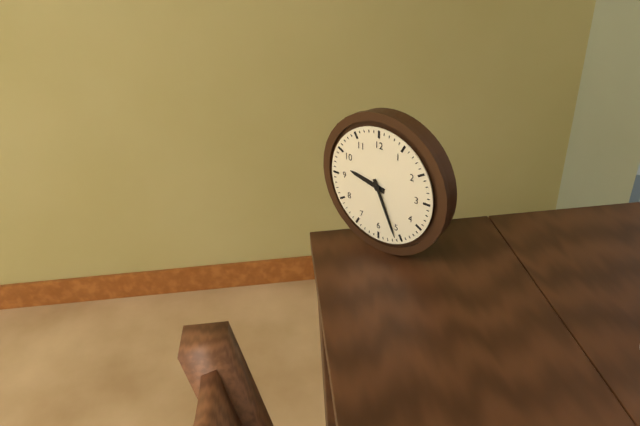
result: 9 h 26 min
